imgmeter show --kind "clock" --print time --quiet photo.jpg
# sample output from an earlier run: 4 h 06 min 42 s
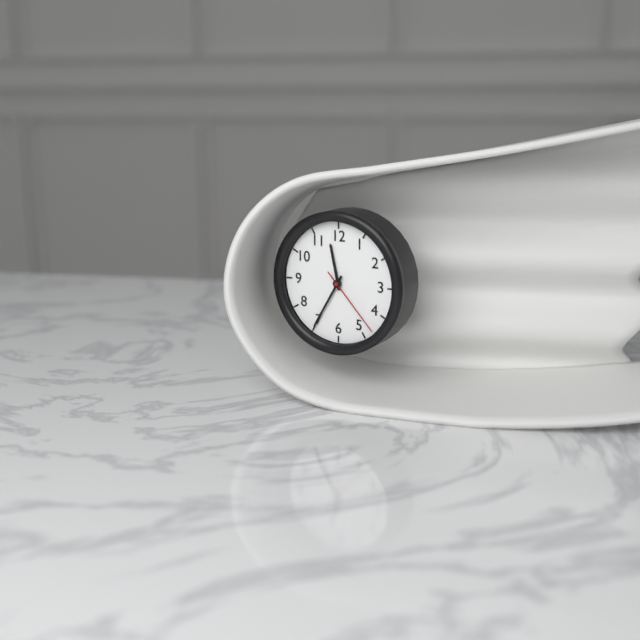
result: 11 h 35 min 23 s
